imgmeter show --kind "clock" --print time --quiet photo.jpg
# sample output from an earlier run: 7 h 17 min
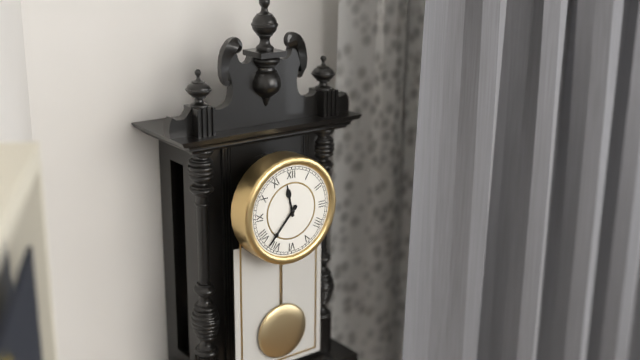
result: 11 h 37 min
